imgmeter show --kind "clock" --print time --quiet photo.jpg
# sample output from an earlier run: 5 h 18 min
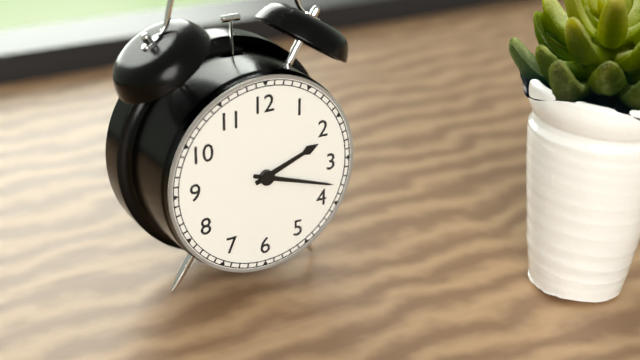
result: 2 h 18 min
